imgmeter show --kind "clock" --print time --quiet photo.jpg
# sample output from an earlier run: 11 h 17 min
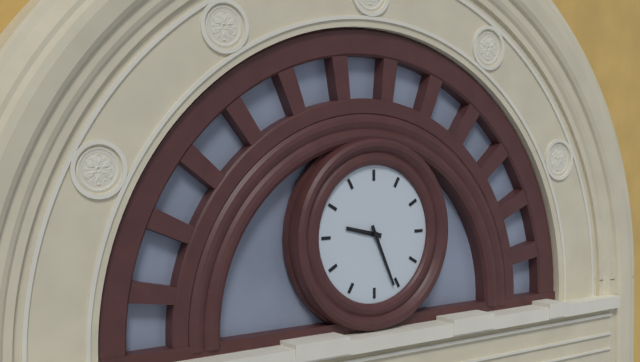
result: 9 h 26 min
